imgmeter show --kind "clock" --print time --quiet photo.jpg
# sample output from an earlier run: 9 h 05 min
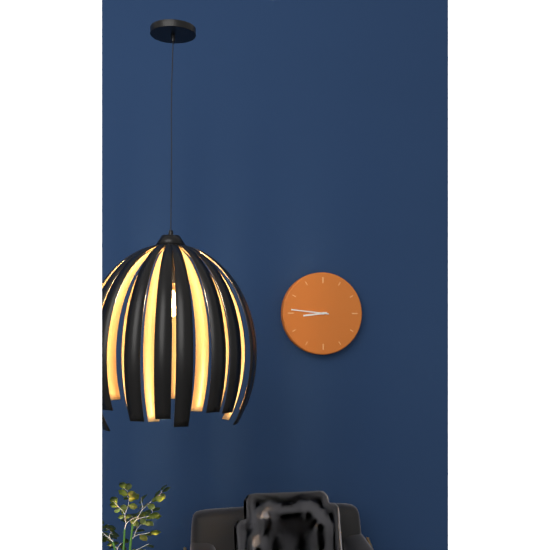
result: 8 h 46 min
